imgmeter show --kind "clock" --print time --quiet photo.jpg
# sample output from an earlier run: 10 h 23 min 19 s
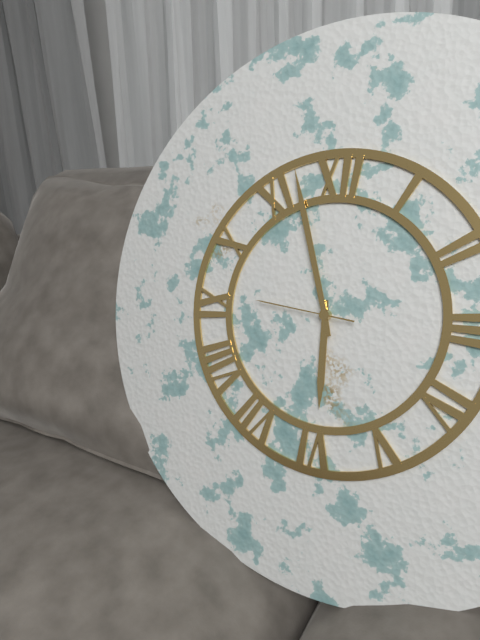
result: 5 h 57 min 46 s
